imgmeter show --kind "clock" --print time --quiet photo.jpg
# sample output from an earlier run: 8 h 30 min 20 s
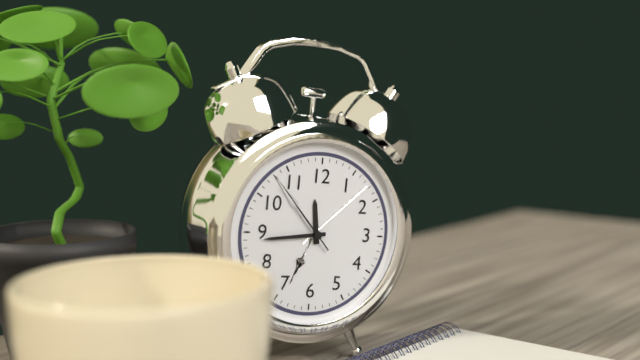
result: 11 h 44 min 53 s
